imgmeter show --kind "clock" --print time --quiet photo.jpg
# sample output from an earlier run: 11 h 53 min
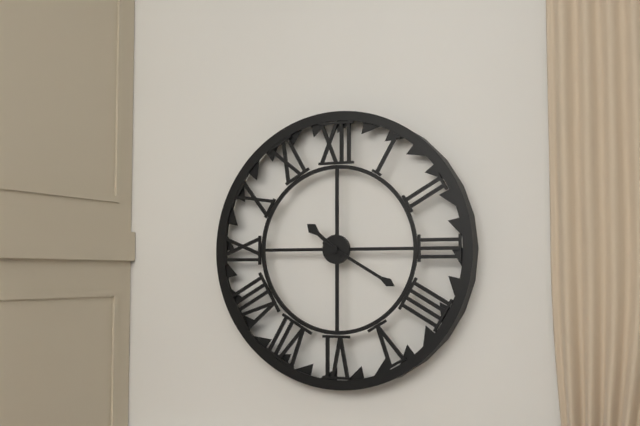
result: 10 h 20 min
